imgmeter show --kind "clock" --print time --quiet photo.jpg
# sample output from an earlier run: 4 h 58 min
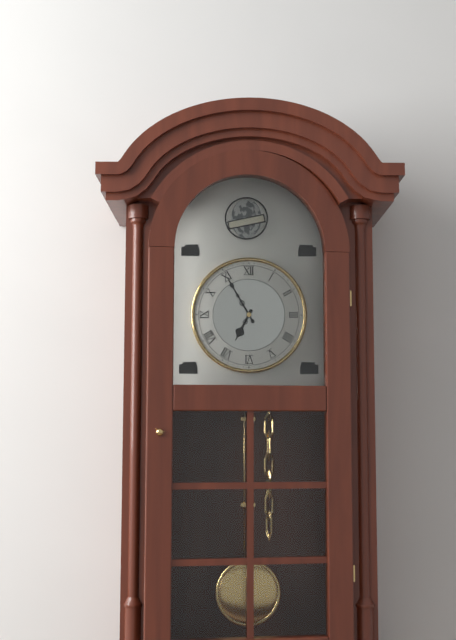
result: 6 h 55 min
